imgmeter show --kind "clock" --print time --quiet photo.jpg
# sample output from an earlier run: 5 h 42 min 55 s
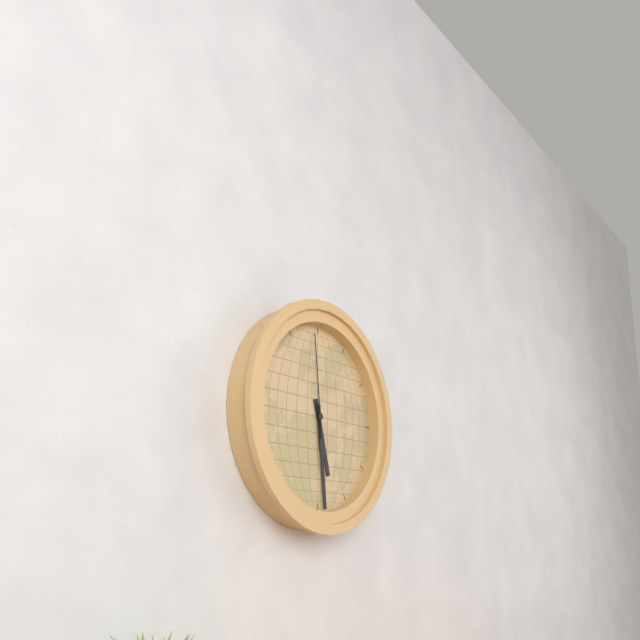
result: 5 h 29 min 59 s
